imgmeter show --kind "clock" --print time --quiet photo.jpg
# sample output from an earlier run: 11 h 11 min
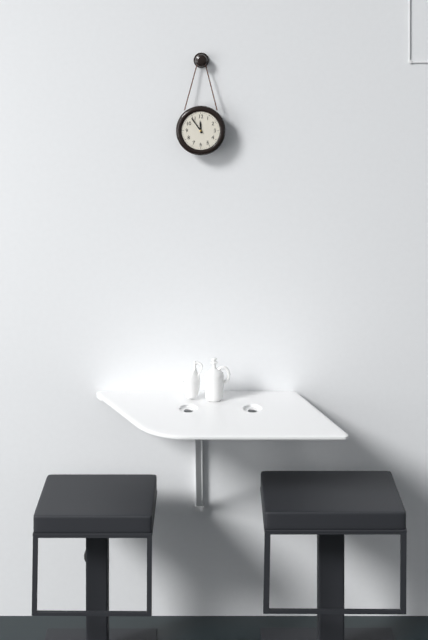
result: 11 h 54 min
